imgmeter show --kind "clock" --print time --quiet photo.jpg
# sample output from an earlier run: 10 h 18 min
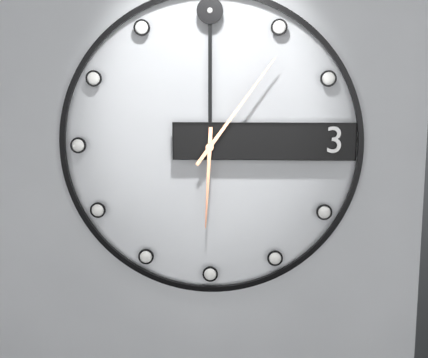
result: 6 h 06 min
